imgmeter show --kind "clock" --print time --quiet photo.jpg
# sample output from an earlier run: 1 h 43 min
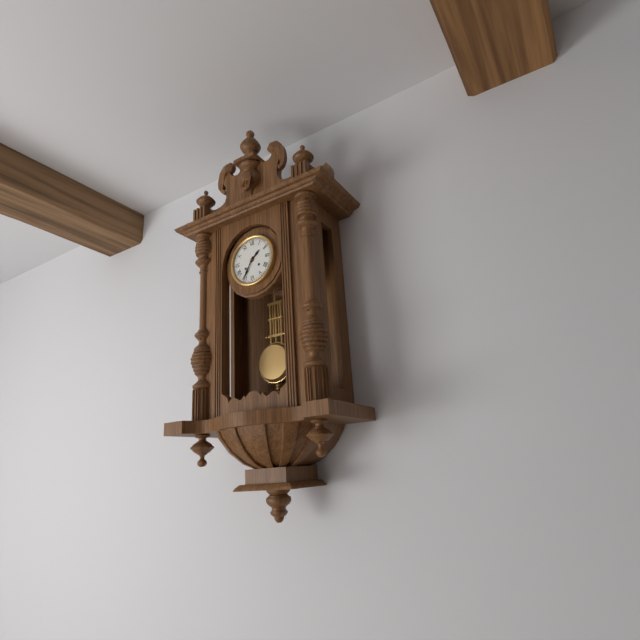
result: 1 h 35 min
